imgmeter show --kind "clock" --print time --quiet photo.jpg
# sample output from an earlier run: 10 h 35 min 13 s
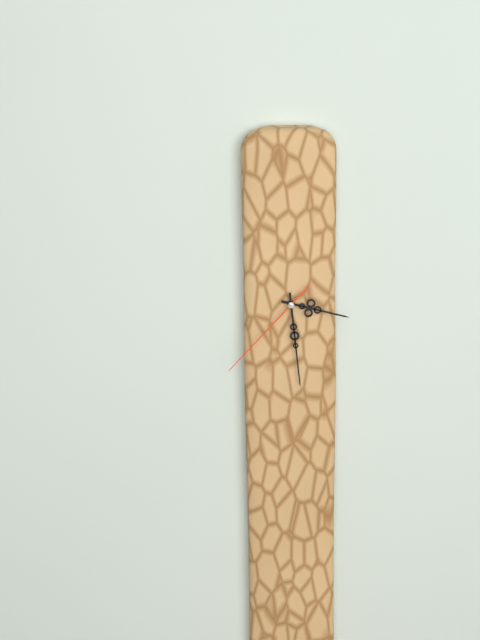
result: 3 h 29 min 37 s
